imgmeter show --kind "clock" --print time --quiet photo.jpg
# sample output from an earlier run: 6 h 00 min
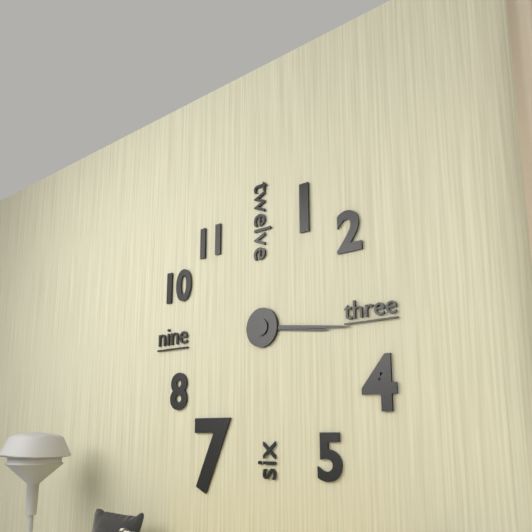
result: 3 h 16 min
